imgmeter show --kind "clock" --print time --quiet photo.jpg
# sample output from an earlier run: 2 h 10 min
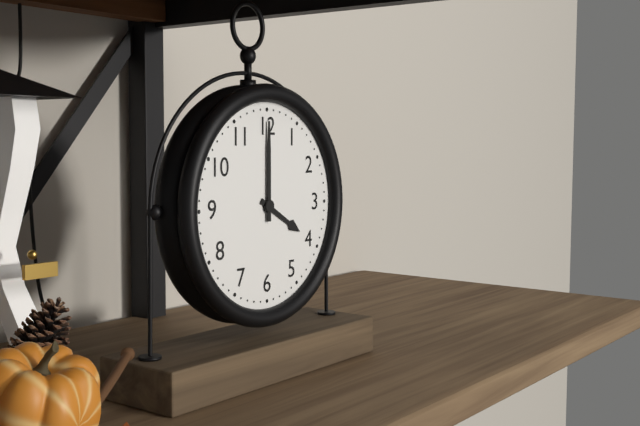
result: 4 h 00 min
